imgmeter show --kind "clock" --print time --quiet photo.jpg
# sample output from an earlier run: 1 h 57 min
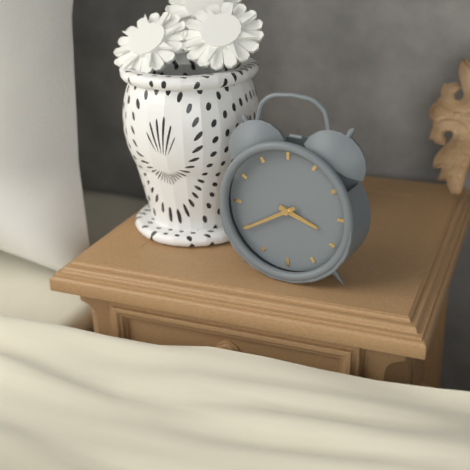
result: 3 h 40 min
